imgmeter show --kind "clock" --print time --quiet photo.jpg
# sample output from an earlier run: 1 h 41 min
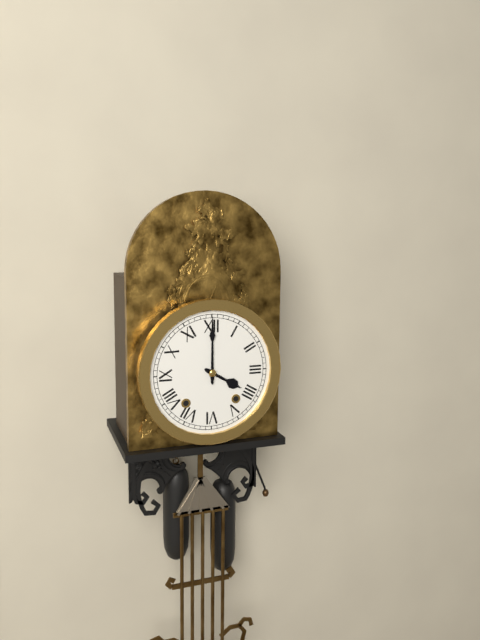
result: 4 h 00 min
